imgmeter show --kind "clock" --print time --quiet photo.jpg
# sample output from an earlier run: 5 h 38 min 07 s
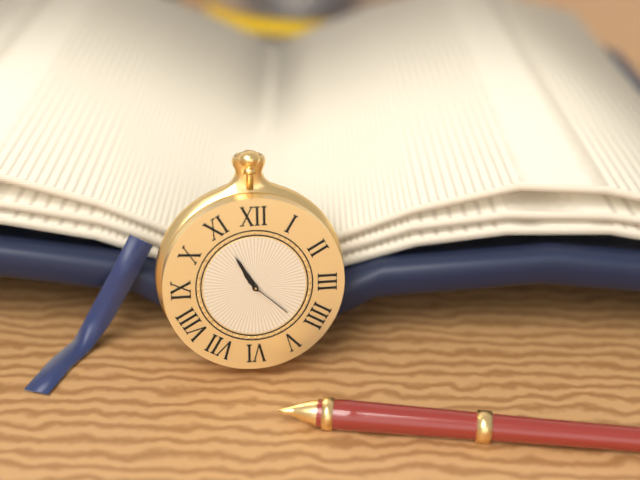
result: 10 h 55 min 22 s
